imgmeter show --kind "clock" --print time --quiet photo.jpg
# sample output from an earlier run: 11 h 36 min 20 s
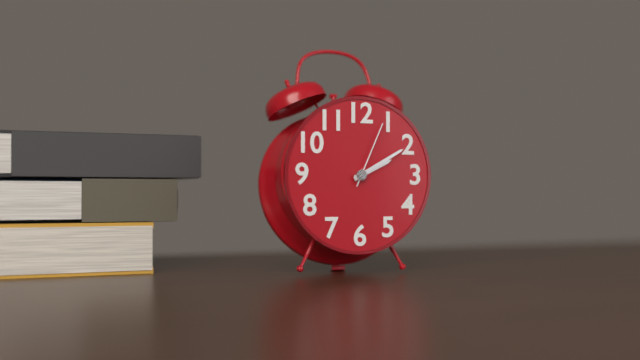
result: 2 h 10 min 04 s
